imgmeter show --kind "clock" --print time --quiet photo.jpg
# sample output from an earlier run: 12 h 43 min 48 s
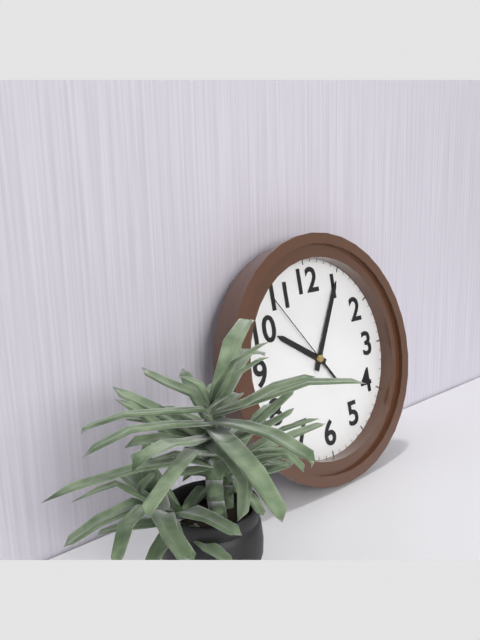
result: 10 h 05 min 54 s
